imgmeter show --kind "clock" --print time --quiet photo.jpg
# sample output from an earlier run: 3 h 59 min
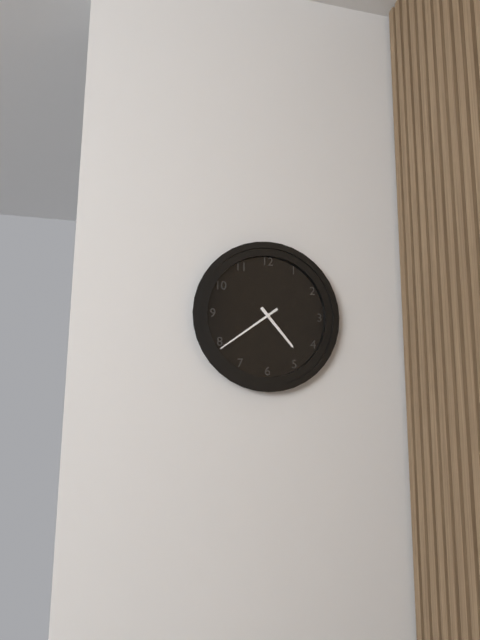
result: 4 h 39 min
